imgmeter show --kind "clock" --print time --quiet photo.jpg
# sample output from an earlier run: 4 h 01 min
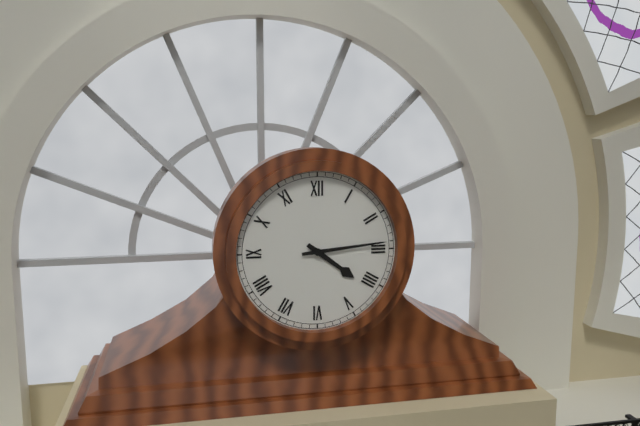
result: 4 h 14 min
